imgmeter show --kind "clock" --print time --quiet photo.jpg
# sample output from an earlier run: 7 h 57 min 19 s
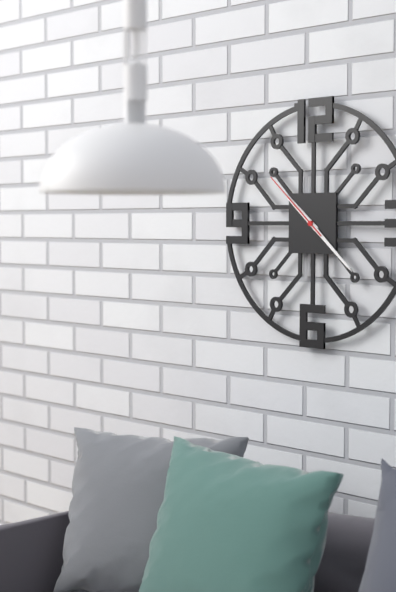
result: 10 h 22 min 52 s
